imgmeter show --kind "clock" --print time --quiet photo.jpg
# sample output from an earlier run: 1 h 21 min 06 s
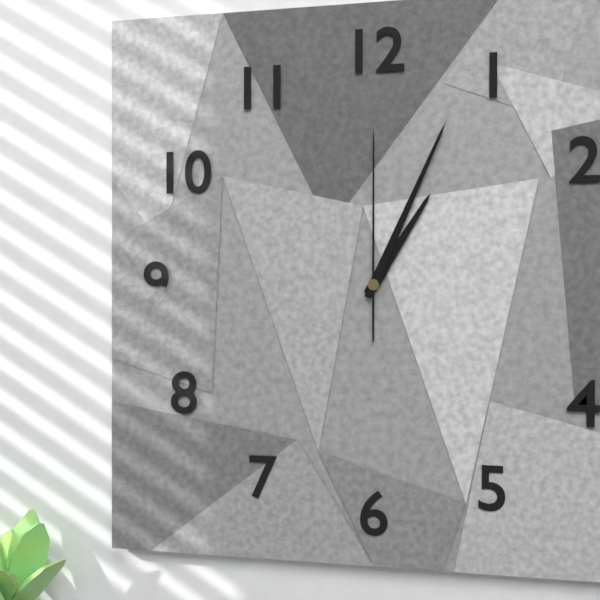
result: 1 h 04 min 00 s
